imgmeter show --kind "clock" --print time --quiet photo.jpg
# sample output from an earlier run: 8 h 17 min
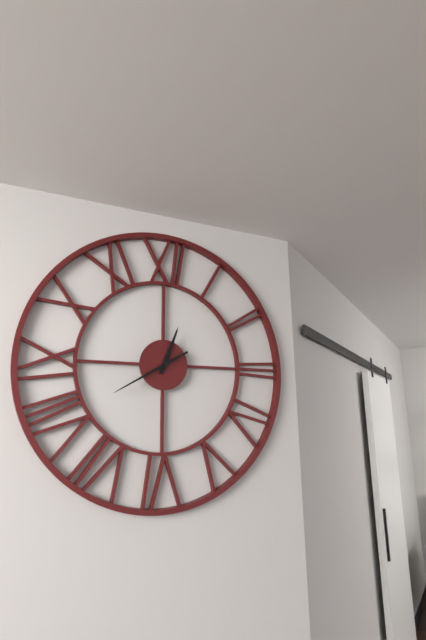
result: 12 h 40 min
